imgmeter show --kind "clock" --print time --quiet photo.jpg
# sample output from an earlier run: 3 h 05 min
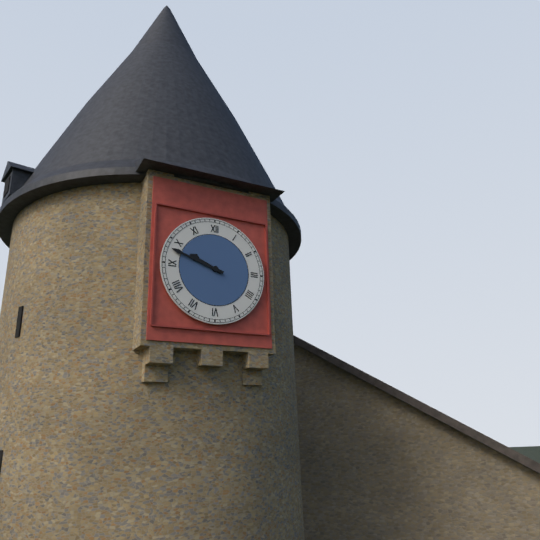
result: 9 h 48 min
